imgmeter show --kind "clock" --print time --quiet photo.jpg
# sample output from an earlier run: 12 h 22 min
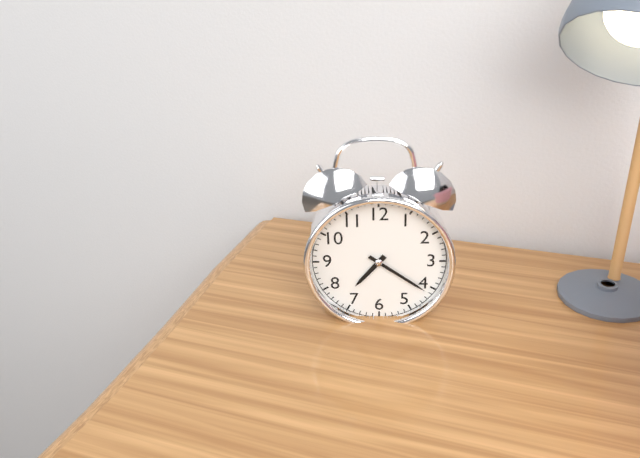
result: 7 h 21 min
